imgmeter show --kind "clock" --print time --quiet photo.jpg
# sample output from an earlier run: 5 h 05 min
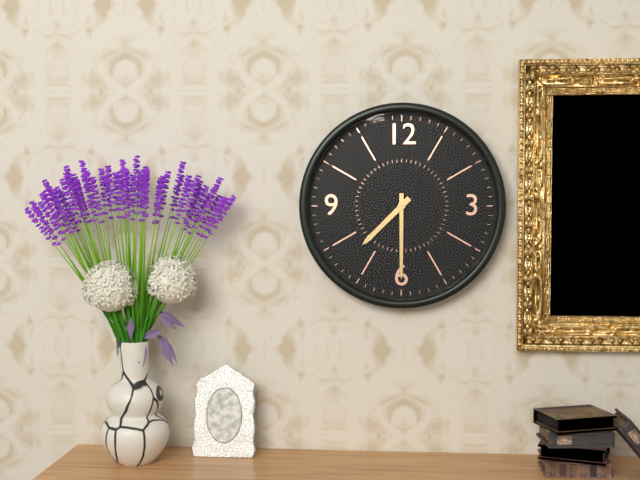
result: 7 h 30 min
